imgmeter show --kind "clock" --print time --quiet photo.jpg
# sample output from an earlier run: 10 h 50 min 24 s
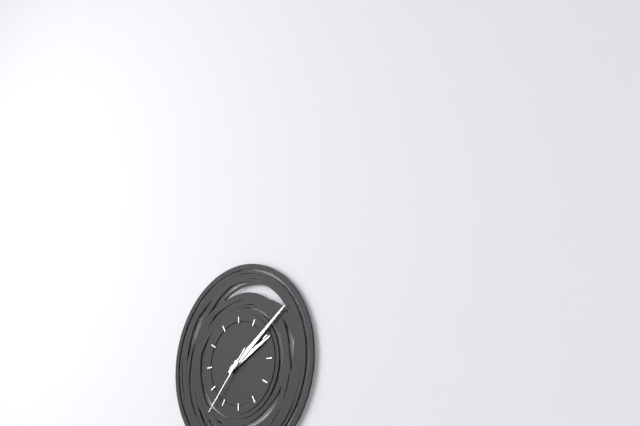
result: 2 h 09 min 37 s
